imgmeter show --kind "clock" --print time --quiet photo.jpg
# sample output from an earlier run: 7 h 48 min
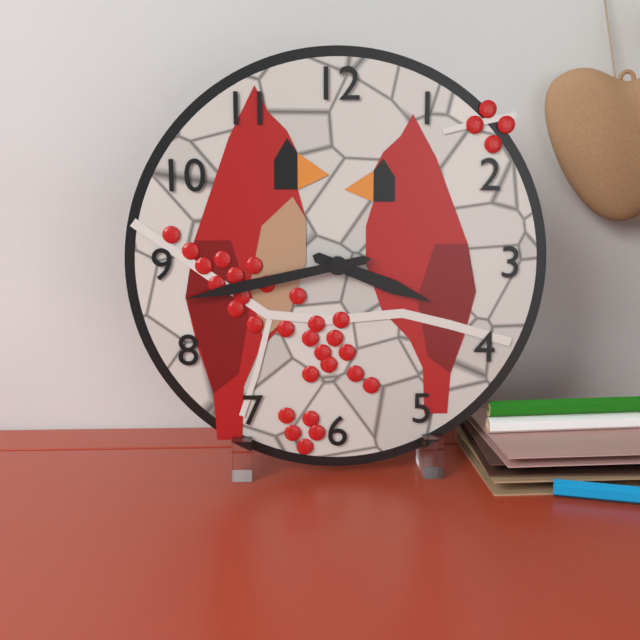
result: 3 h 43 min
